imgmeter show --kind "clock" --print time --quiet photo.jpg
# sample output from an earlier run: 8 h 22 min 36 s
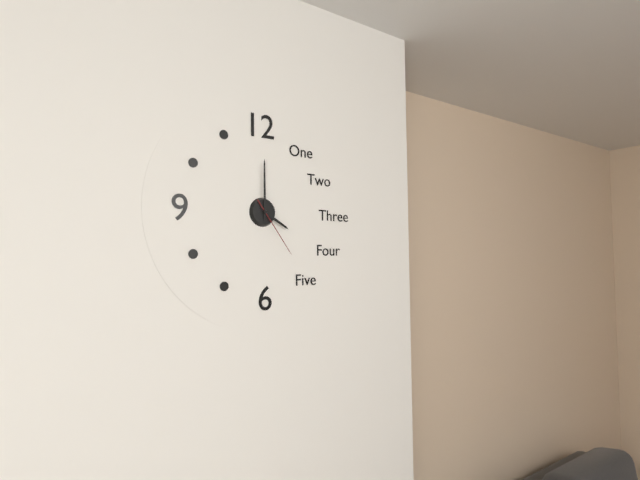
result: 4 h 00 min 24 s
